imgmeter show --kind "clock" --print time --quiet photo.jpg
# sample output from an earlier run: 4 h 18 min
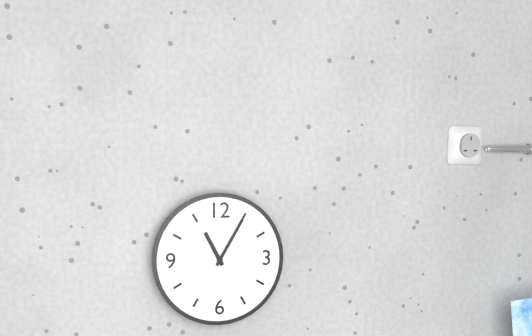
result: 11 h 05 min
